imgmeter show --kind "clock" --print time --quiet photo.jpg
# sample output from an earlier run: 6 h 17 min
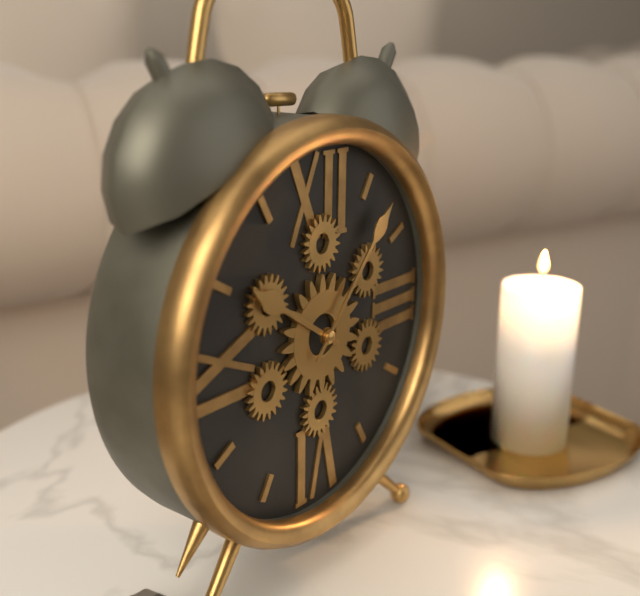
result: 10 h 07 min
